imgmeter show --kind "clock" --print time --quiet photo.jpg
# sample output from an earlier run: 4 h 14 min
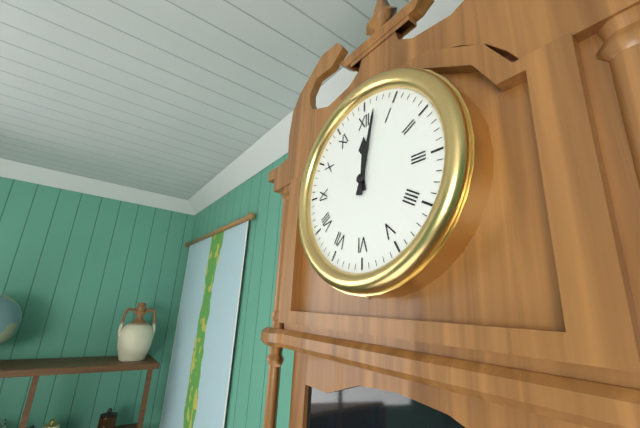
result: 12 h 02 min
